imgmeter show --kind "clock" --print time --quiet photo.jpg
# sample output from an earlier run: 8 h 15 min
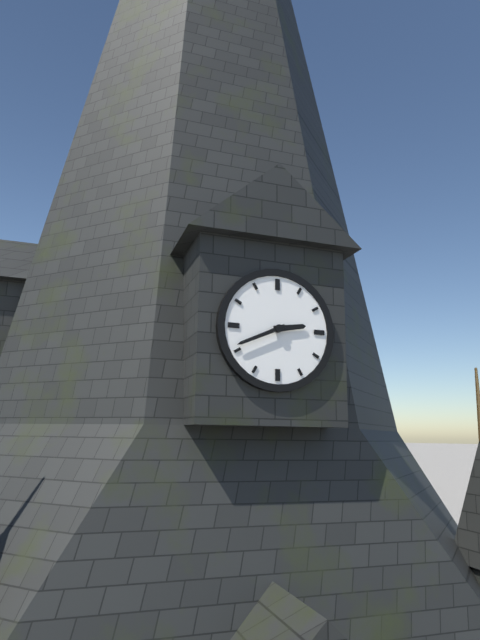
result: 2 h 41 min
